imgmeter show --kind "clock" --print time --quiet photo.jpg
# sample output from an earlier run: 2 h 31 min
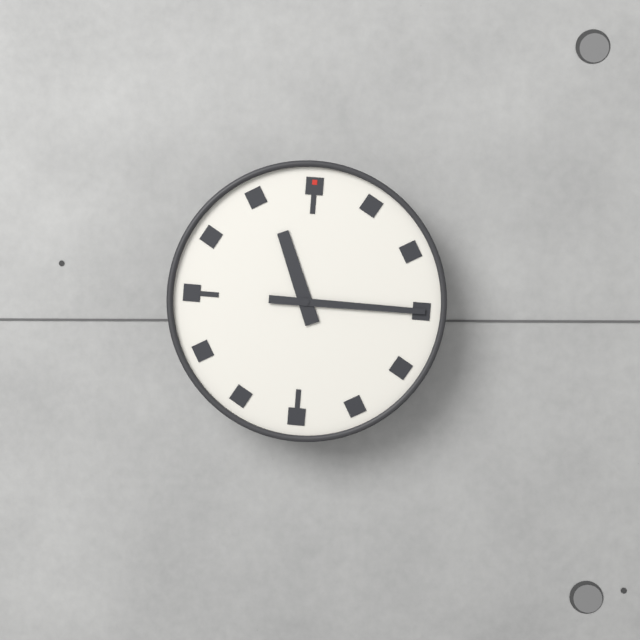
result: 11 h 15 min
